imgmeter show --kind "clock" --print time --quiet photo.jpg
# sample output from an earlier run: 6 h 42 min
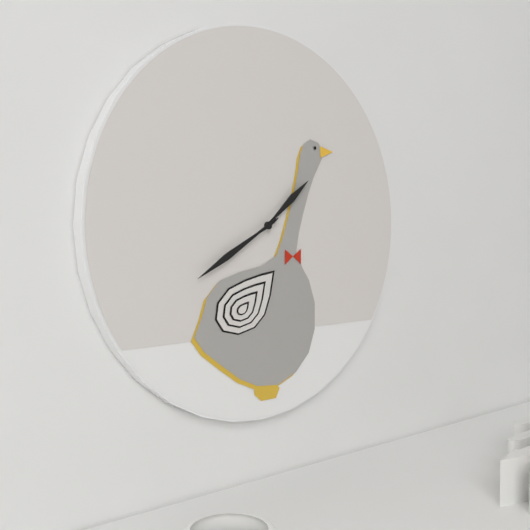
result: 1 h 40 min
